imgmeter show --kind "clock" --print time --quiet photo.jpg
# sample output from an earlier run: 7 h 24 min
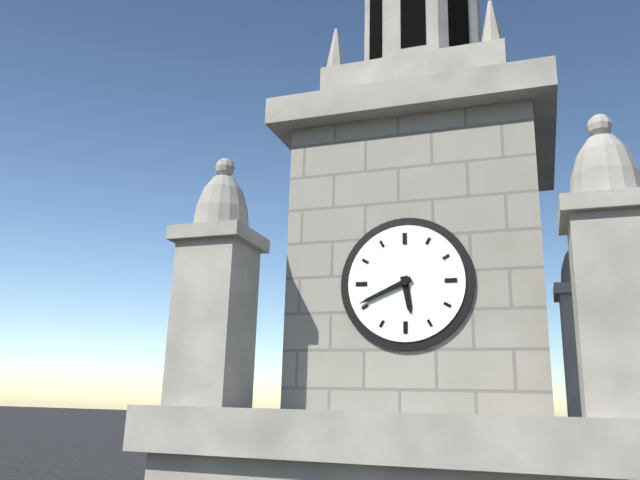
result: 5 h 41 min
